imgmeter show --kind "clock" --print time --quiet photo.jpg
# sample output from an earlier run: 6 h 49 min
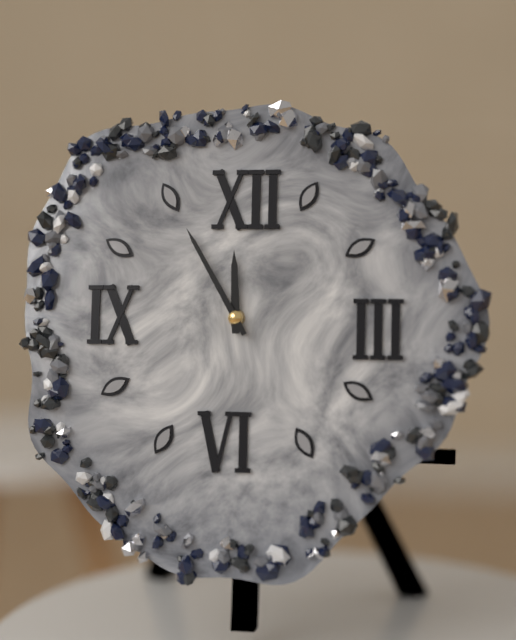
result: 11 h 55 min
